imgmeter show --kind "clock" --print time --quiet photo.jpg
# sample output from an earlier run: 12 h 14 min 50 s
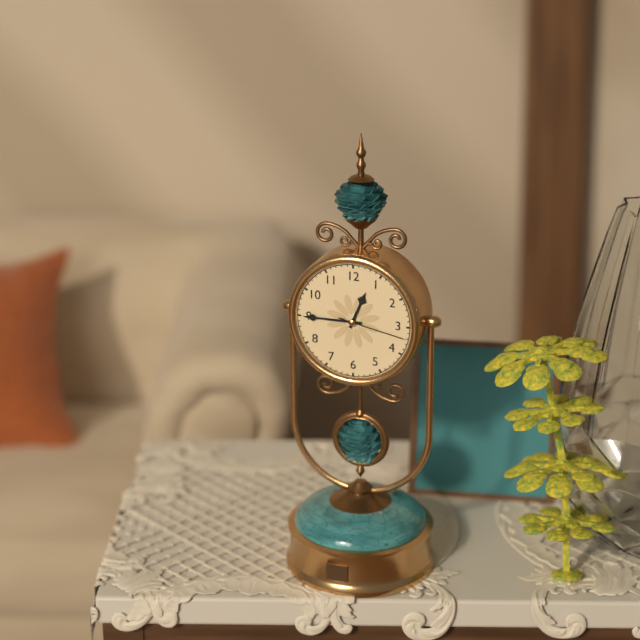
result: 12 h 45 min 17 s
